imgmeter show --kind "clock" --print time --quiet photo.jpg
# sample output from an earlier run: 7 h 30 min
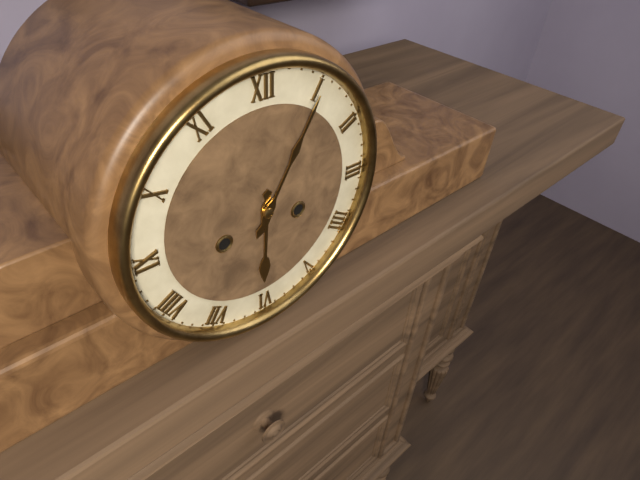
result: 6 h 05 min
